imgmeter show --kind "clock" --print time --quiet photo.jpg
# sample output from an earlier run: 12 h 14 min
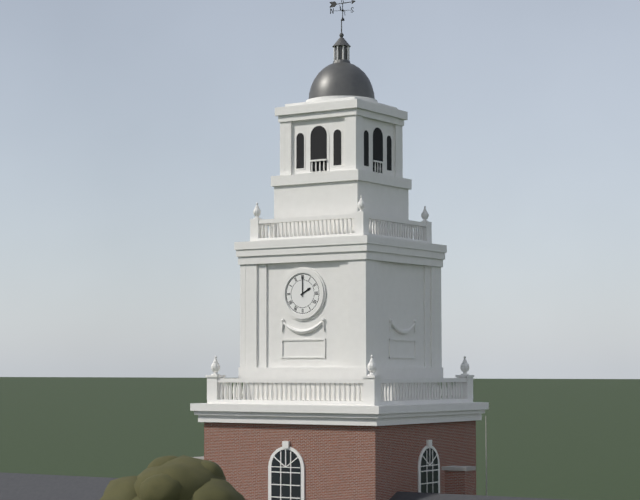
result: 2 h 00 min
